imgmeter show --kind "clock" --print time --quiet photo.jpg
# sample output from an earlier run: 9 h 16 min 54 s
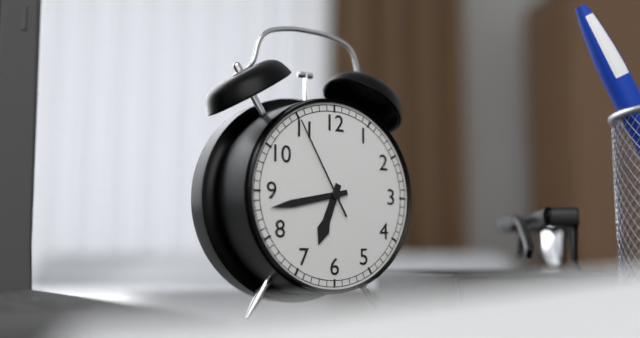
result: 6 h 43 min 55 s
